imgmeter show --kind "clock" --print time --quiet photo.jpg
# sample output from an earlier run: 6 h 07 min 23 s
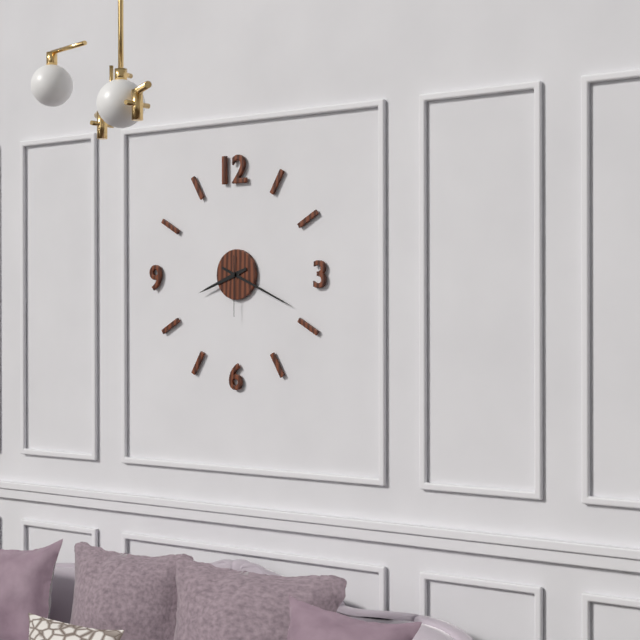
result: 8 h 19 min 30 s
